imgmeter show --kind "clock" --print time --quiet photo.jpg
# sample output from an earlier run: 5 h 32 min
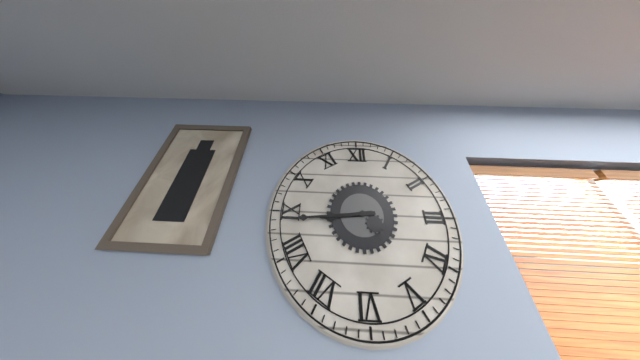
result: 8 h 44 min
